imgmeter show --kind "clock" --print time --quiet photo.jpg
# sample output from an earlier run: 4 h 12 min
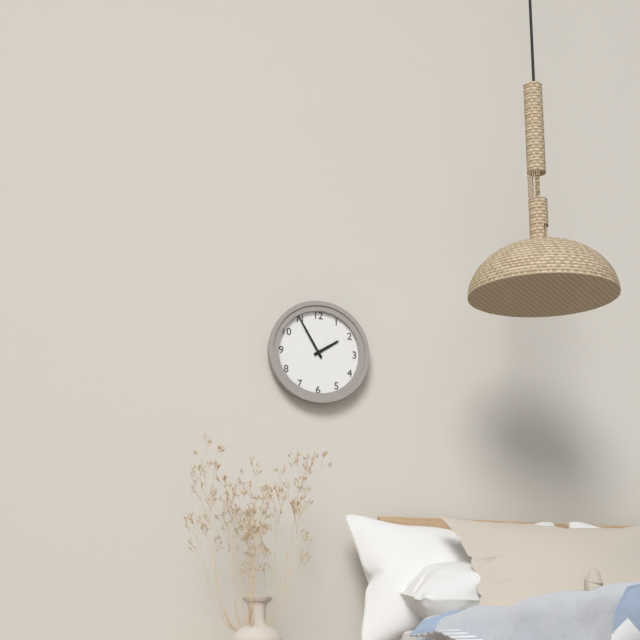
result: 1 h 55 min
